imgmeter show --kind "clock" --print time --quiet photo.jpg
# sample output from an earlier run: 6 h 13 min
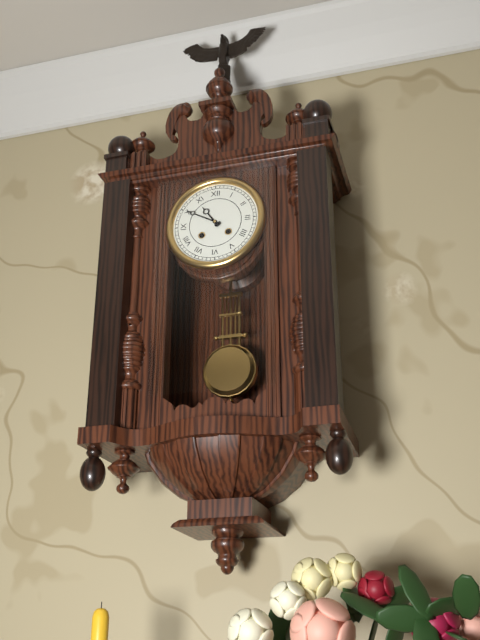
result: 10 h 50 min
